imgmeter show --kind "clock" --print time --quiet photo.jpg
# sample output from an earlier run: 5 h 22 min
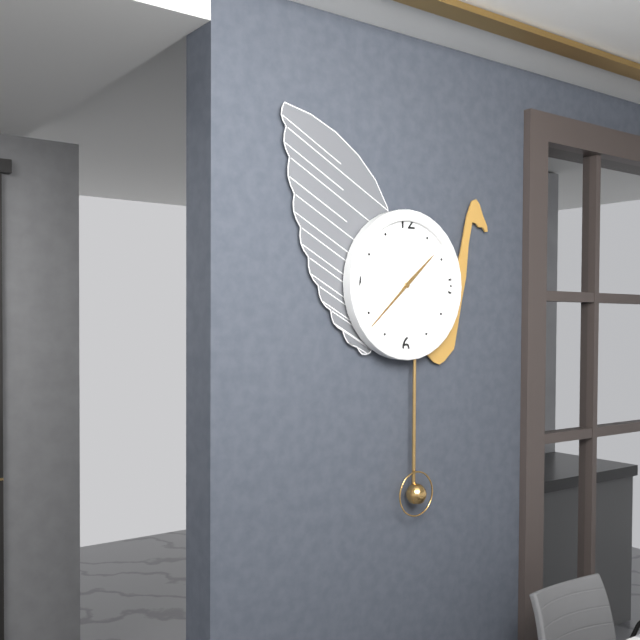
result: 1 h 38 min
